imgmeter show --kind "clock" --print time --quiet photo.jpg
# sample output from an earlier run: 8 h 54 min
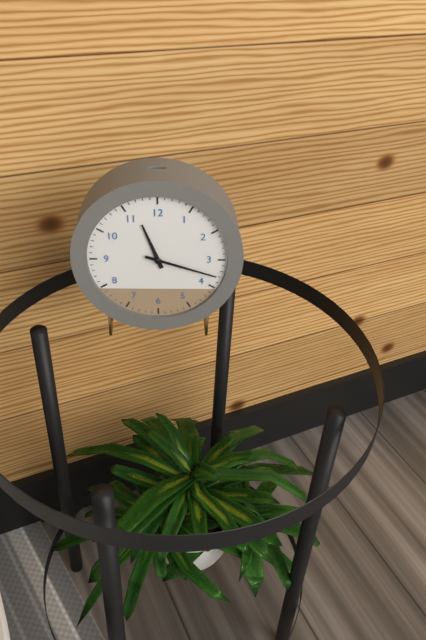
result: 11 h 18 min
